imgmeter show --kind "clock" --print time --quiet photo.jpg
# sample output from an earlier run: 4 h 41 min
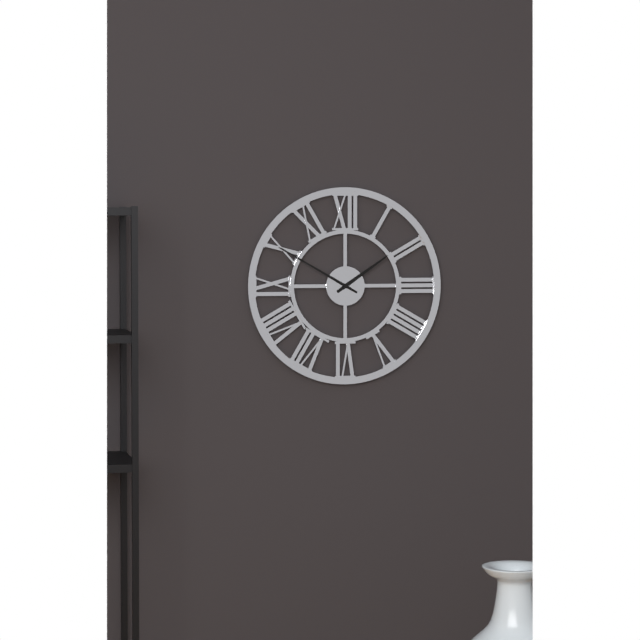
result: 1 h 50 min
